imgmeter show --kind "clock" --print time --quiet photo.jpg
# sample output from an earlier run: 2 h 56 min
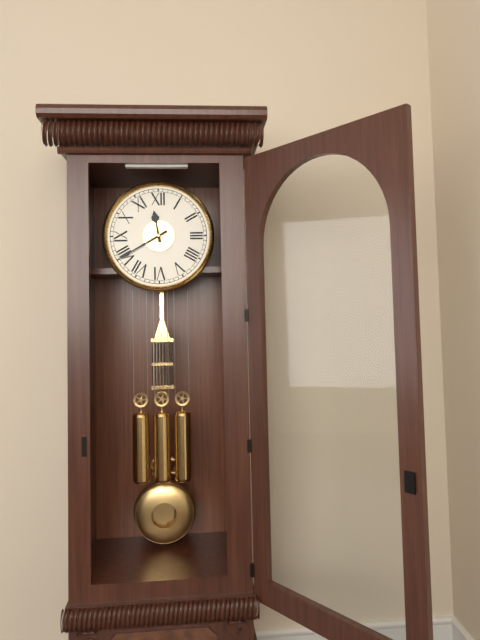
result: 11 h 40 min
